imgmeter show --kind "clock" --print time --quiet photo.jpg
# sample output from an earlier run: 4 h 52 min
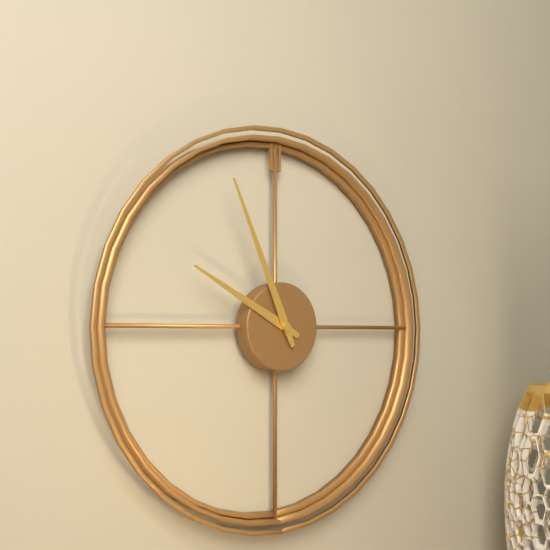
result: 9 h 56 min
